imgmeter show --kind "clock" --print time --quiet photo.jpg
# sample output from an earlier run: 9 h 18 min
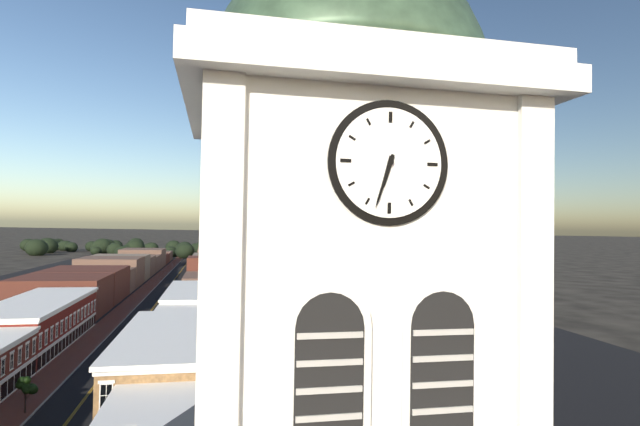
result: 6 h 33 min
